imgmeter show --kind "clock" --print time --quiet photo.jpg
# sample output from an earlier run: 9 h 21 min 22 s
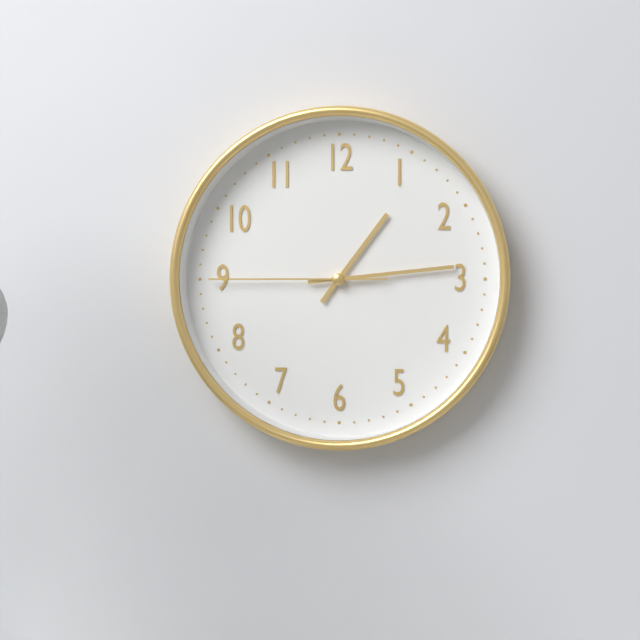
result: 1 h 14 min 45 s
